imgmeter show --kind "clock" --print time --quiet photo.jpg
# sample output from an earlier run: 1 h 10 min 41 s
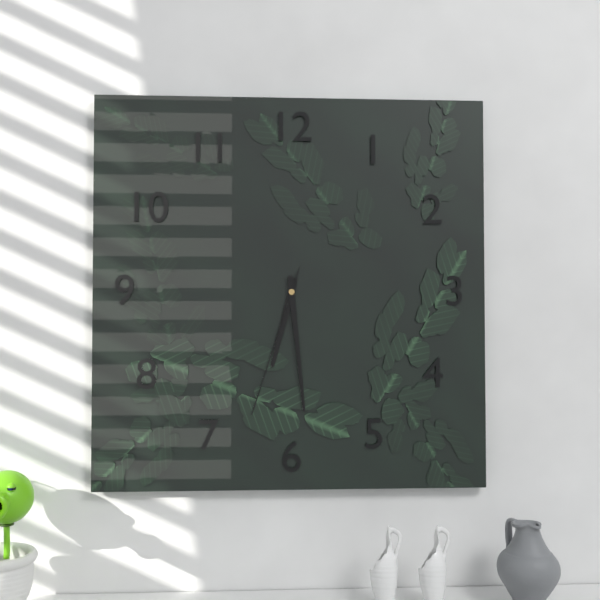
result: 6 h 29 min 33 s
